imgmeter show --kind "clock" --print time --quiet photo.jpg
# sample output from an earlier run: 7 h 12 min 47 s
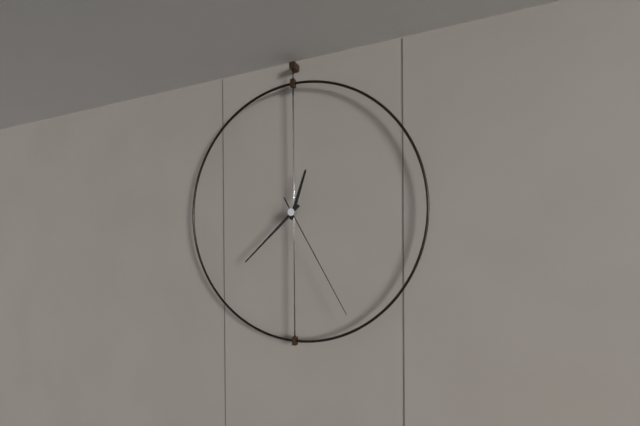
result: 12 h 38 min 25 s
